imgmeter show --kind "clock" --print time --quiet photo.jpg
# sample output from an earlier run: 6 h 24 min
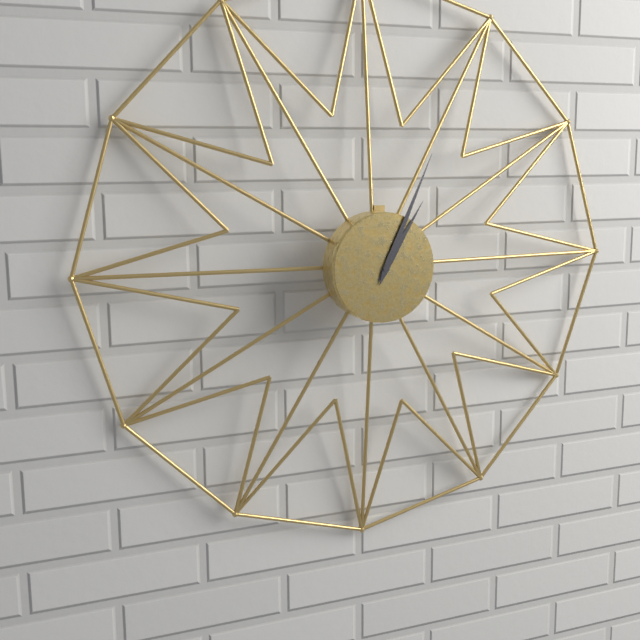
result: 1 h 04 min
